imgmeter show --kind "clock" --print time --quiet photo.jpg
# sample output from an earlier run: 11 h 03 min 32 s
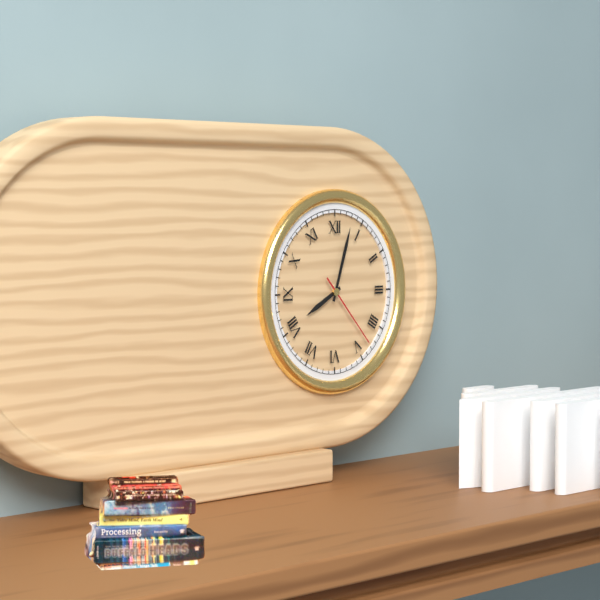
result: 8 h 03 min 23 s
